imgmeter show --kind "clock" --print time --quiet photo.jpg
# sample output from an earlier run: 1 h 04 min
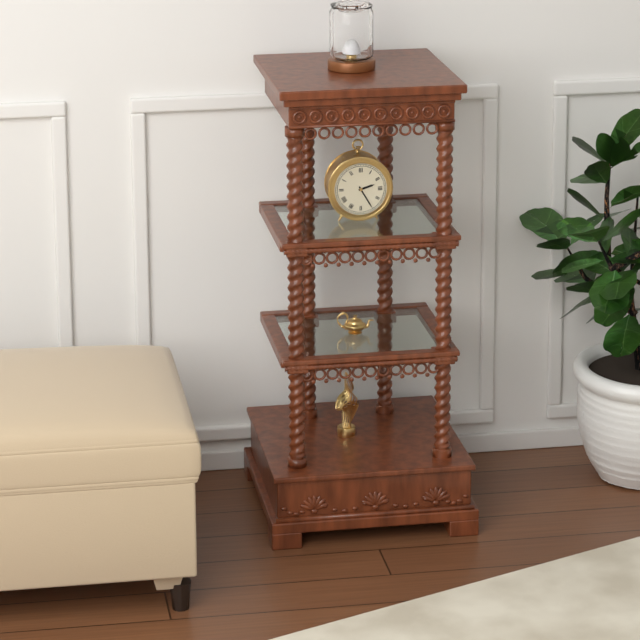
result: 2 h 25 min
